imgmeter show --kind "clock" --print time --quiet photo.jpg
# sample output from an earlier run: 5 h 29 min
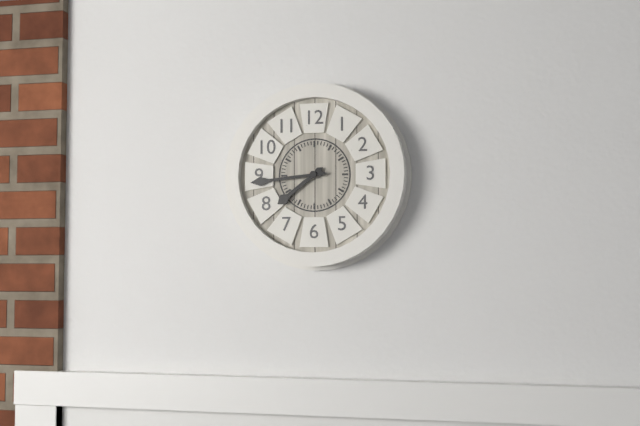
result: 7 h 44 min
